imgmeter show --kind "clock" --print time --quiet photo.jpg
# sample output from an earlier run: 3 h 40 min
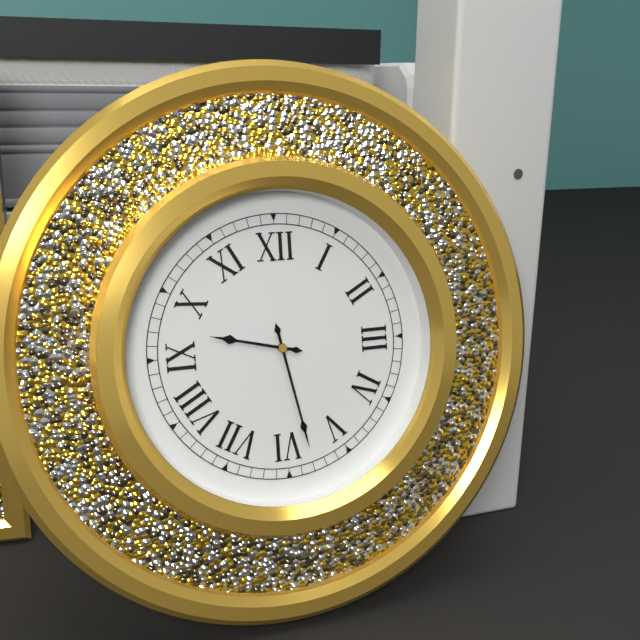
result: 9 h 28 min
